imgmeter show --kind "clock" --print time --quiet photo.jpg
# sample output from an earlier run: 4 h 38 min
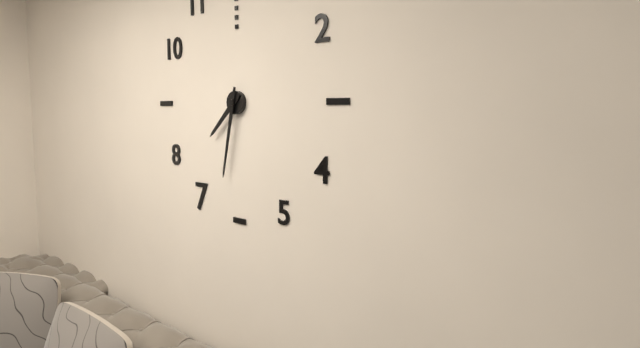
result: 7 h 32 min
